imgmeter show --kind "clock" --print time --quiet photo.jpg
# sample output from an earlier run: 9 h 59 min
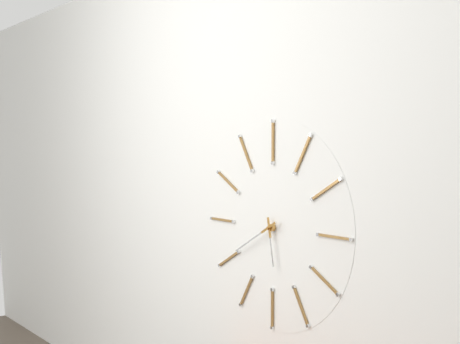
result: 5 h 40 min
